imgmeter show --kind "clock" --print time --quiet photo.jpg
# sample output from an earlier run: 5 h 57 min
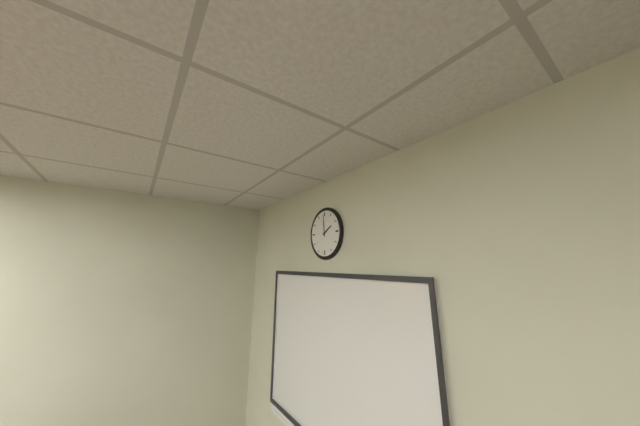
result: 1 h 59 min
